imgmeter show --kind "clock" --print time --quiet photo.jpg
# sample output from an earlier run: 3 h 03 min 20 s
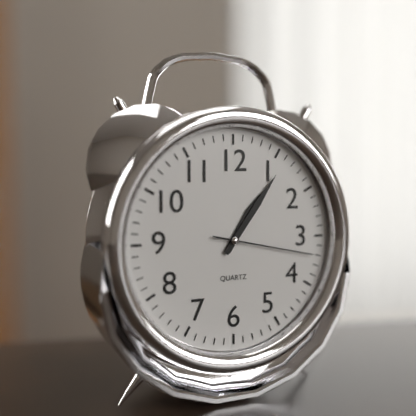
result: 1 h 06 min 17 s
